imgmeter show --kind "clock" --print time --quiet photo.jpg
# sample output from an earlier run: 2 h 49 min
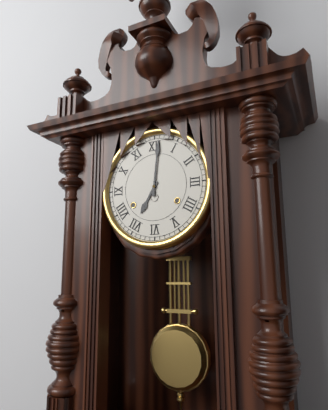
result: 7 h 01 min
